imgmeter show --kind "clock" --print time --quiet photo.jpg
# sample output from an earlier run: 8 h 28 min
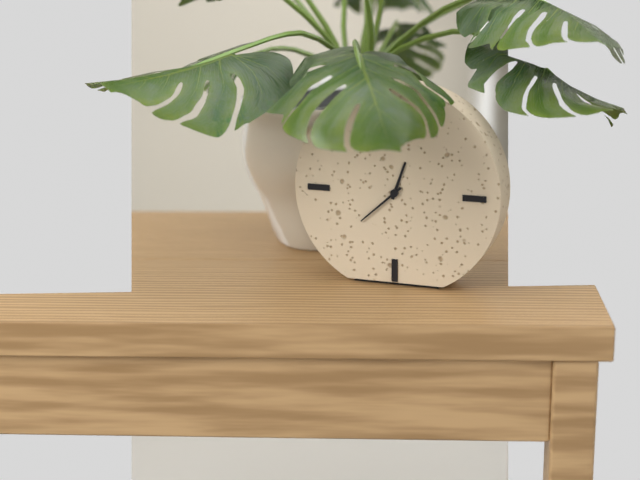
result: 12 h 38 min
